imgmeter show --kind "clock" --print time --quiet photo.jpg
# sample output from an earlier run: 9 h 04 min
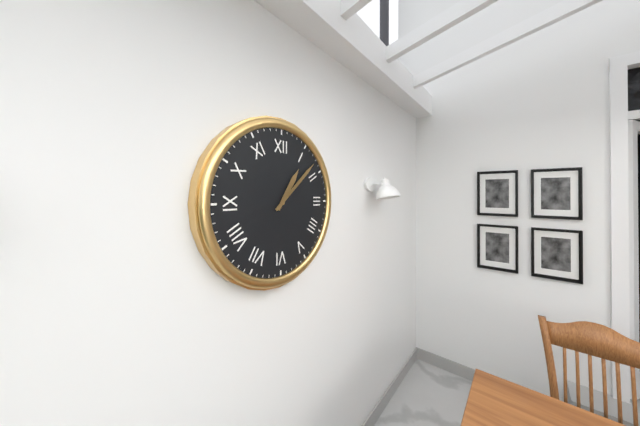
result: 1 h 08 min
